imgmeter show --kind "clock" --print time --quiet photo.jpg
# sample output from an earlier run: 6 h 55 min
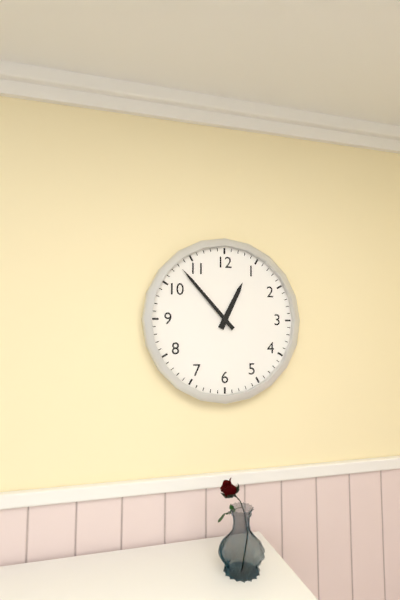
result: 12 h 53 min
